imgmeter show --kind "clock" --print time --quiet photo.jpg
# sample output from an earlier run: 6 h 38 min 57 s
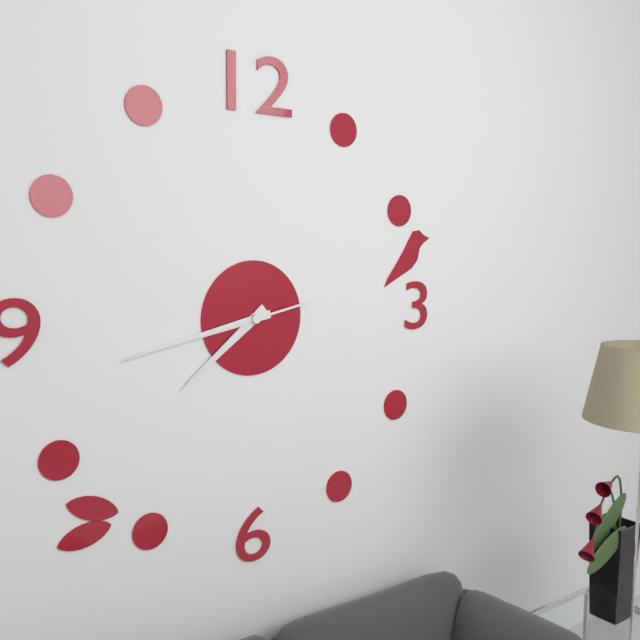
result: 7 h 43 min 43 s
